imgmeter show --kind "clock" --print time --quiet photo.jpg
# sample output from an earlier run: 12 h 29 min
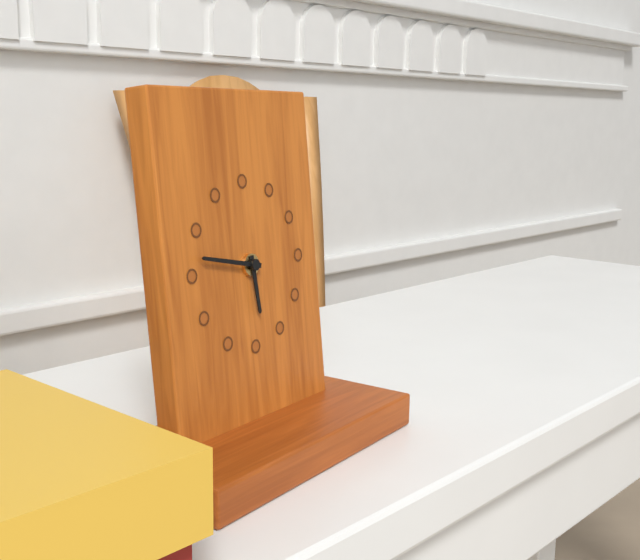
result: 5 h 47 min
